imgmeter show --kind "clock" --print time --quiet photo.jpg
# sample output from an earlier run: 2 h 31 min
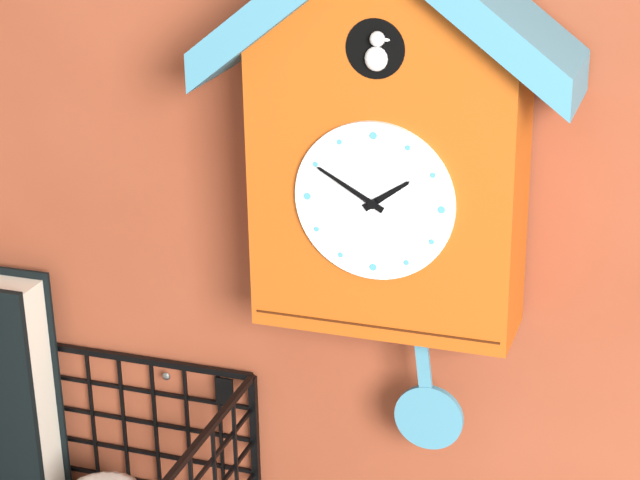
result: 1 h 50 min
